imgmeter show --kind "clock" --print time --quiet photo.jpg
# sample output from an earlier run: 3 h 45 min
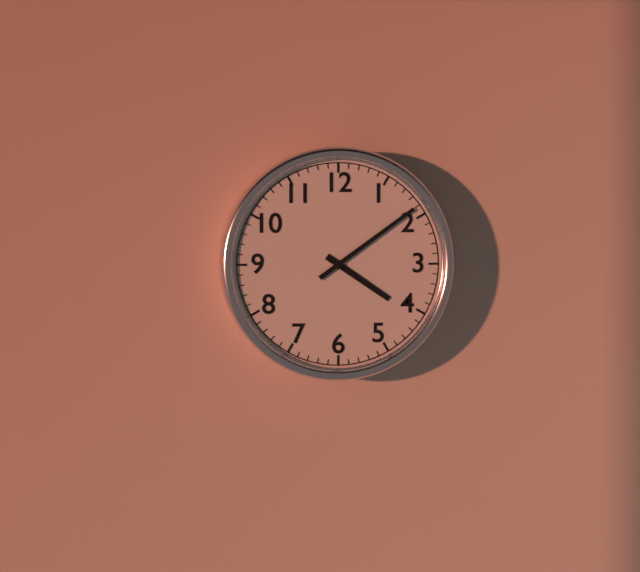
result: 4 h 09 min
